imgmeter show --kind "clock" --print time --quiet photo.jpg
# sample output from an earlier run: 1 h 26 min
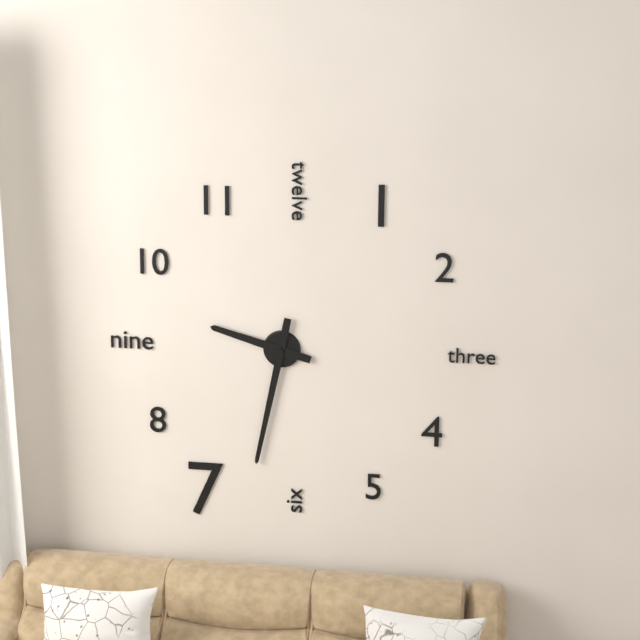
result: 9 h 32 min
